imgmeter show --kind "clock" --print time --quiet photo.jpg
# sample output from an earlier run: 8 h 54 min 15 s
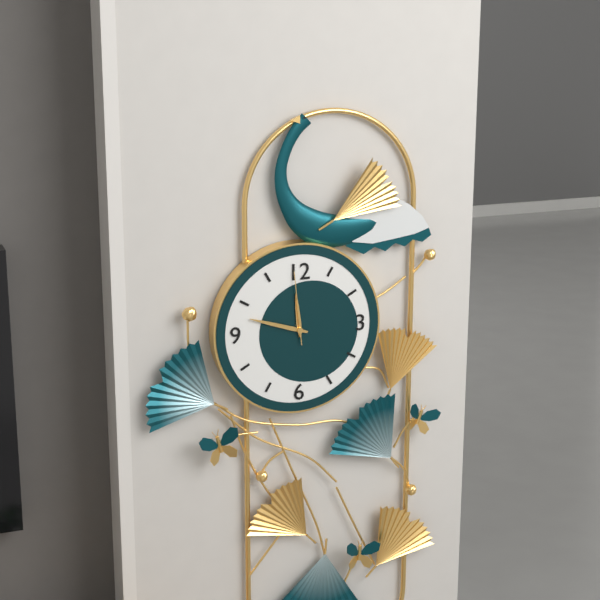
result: 11 h 48 min 59 s
